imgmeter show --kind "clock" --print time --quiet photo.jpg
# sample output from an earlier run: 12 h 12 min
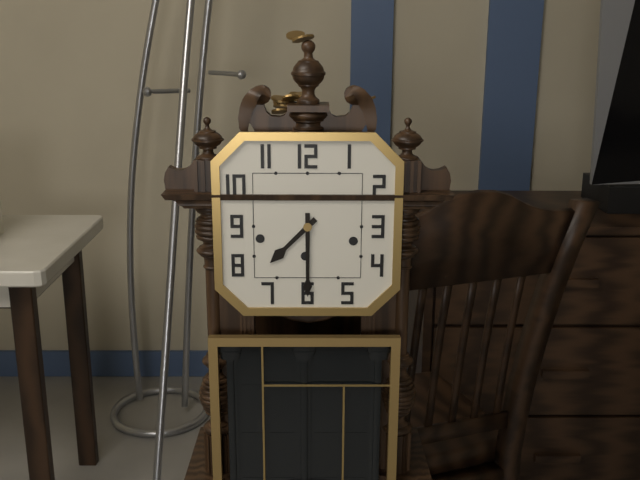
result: 7 h 30 min
